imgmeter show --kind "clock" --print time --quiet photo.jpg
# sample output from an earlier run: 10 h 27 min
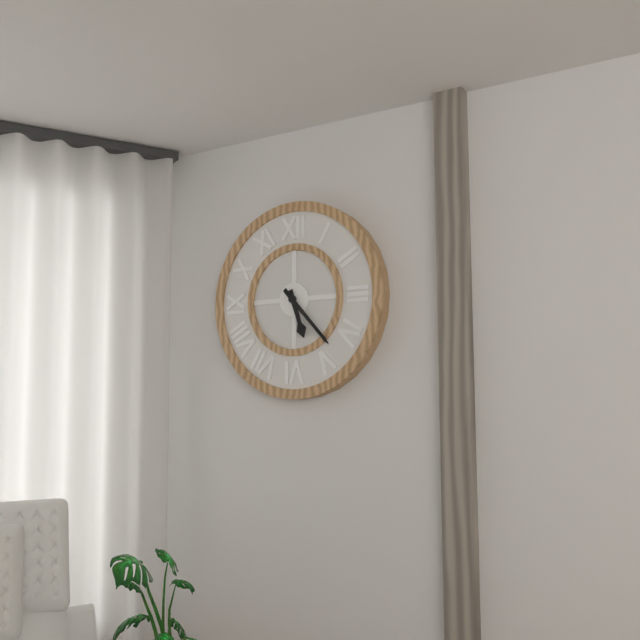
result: 5 h 23 min
